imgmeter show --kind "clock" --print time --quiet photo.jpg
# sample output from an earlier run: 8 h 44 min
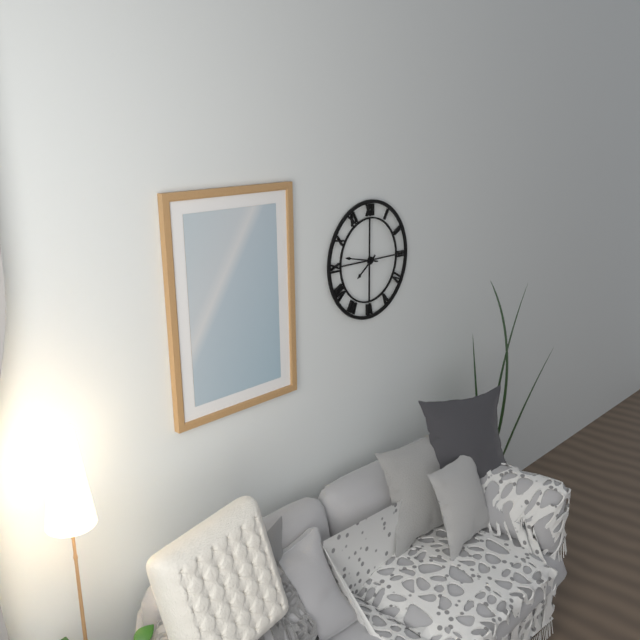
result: 7 h 47 min
